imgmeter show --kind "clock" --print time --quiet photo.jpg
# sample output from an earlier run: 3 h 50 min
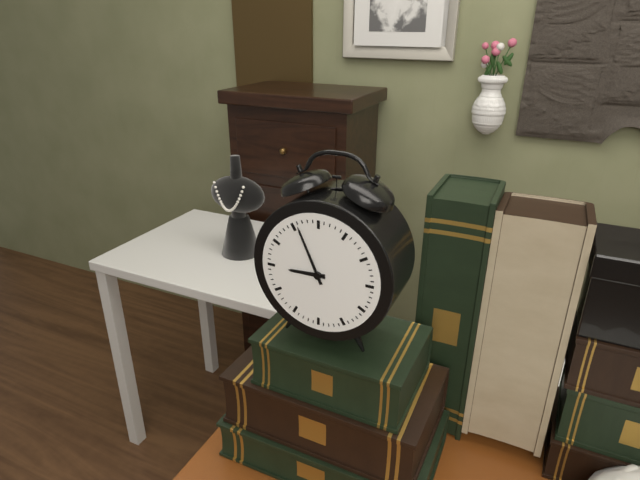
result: 8 h 56 min
